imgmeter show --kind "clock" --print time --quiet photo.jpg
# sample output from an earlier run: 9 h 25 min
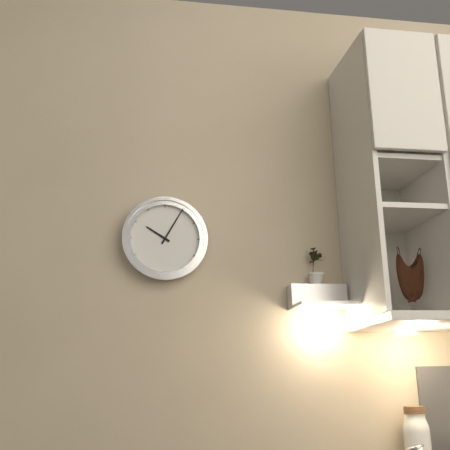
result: 10 h 05 min
